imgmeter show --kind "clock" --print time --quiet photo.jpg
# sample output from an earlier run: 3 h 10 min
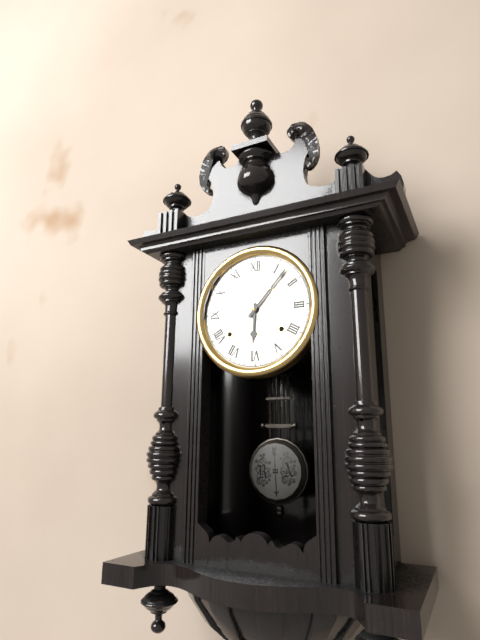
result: 6 h 07 min
